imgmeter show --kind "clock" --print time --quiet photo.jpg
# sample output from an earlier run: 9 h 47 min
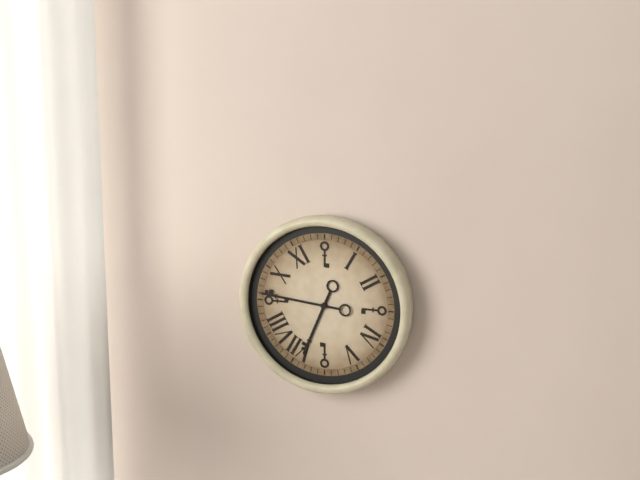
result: 6 h 46 min
